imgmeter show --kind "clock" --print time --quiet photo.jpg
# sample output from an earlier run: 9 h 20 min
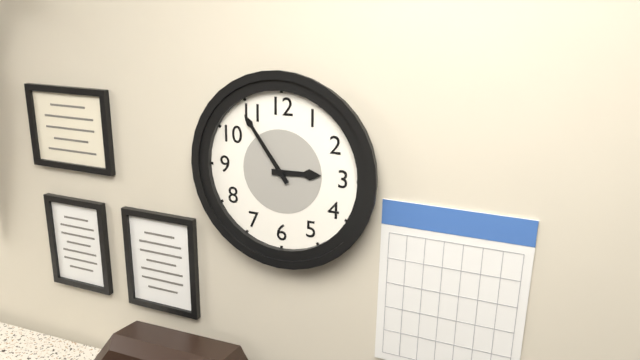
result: 2 h 54 min
